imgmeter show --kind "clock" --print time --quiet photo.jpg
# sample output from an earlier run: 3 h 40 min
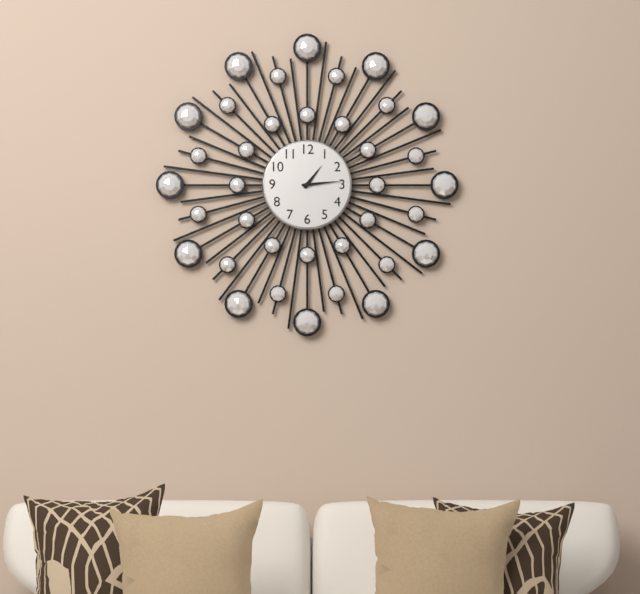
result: 1 h 14 min
